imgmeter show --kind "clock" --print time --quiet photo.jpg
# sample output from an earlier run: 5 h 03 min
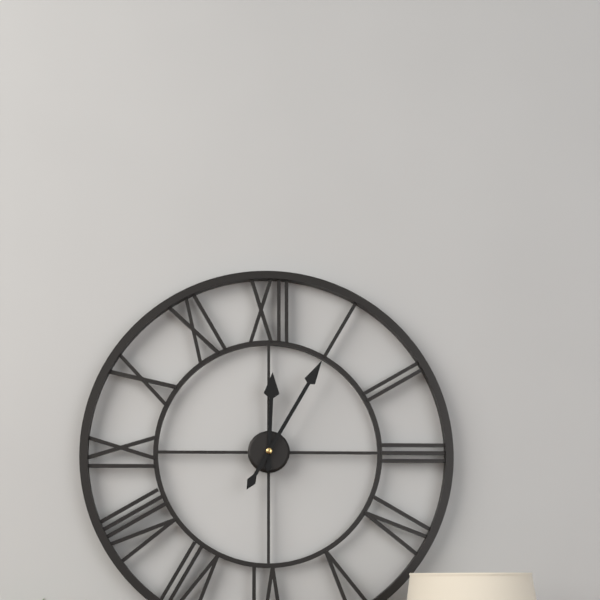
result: 12 h 05 min
